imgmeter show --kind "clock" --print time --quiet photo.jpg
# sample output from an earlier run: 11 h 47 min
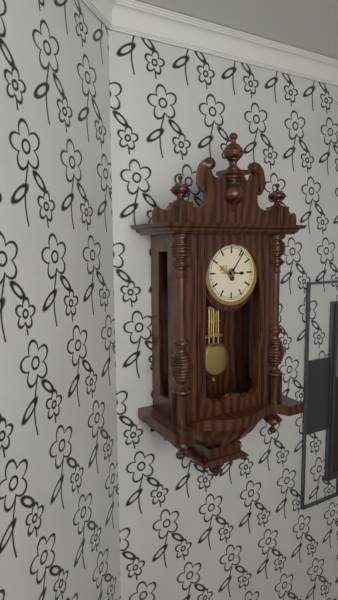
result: 3 h 06 min
